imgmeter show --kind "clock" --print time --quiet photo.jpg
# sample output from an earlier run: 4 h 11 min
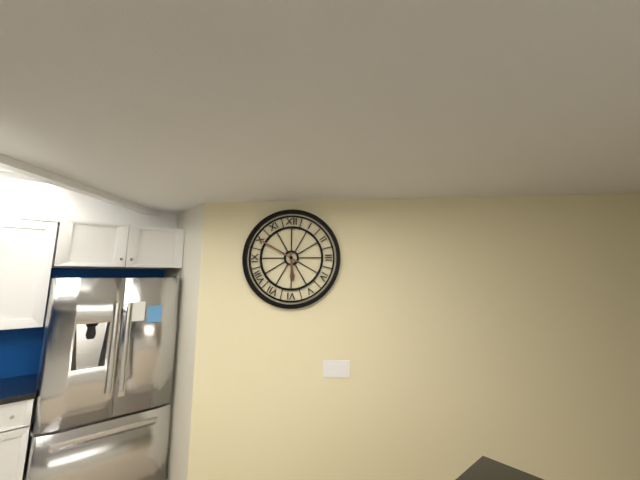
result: 5 h 50 min
